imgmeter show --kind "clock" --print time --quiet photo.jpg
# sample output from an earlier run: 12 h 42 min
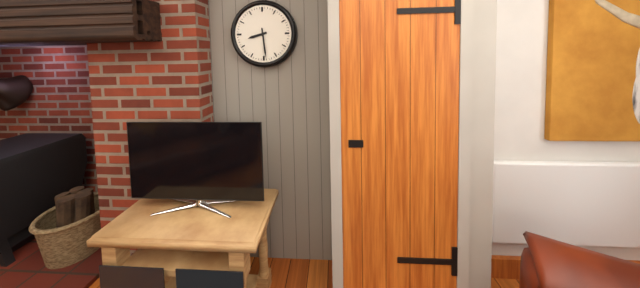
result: 8 h 29 min
